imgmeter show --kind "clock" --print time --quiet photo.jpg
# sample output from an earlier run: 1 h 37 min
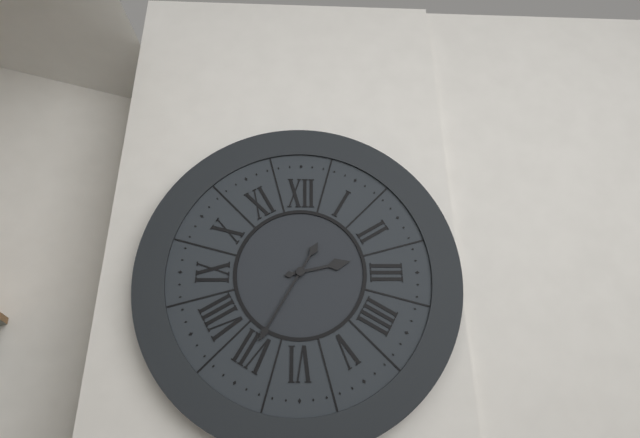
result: 2 h 35 min
